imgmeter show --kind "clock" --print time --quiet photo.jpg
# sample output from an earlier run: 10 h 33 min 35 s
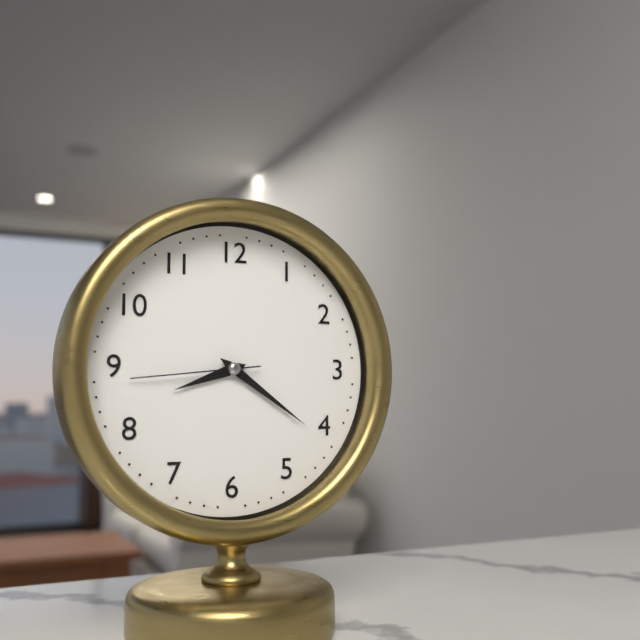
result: 8 h 21 min 44 s
